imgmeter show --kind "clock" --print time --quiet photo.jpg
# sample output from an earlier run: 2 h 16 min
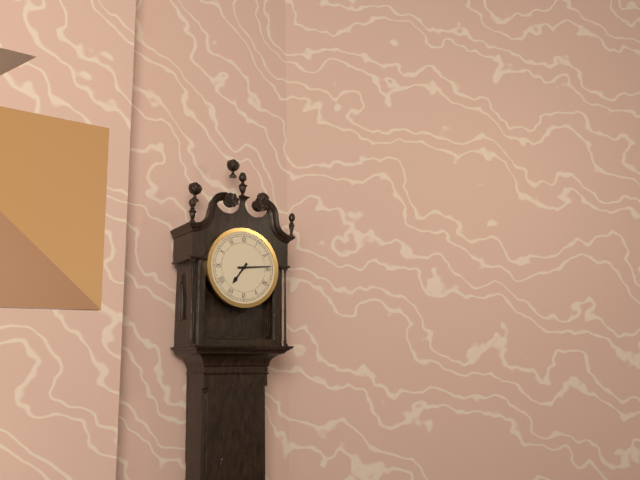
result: 7 h 14 min
